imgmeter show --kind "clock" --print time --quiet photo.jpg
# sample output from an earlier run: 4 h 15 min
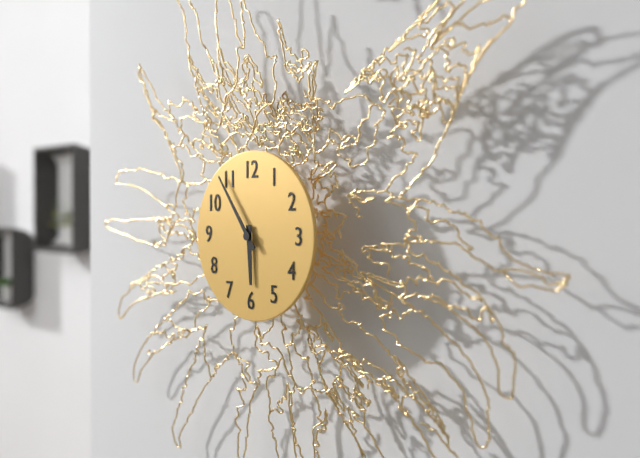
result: 5 h 54 min
